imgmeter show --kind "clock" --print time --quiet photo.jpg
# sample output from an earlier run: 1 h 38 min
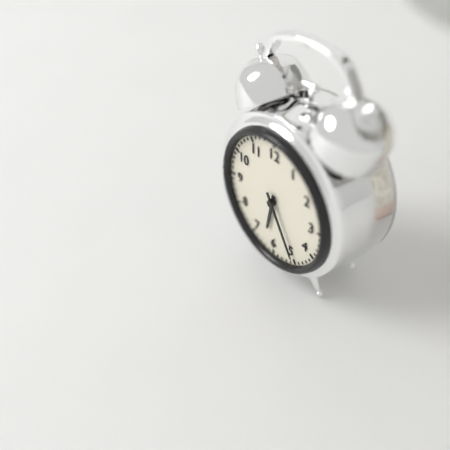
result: 6 h 25 min
